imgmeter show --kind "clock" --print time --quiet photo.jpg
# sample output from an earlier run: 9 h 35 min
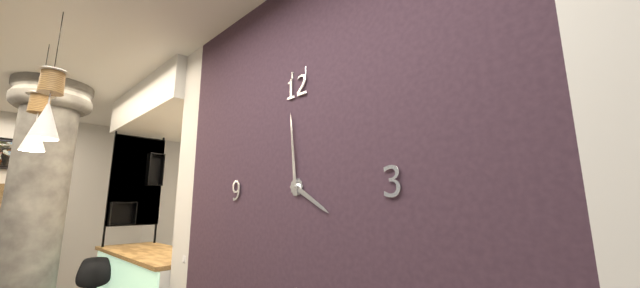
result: 3 h 59 min
